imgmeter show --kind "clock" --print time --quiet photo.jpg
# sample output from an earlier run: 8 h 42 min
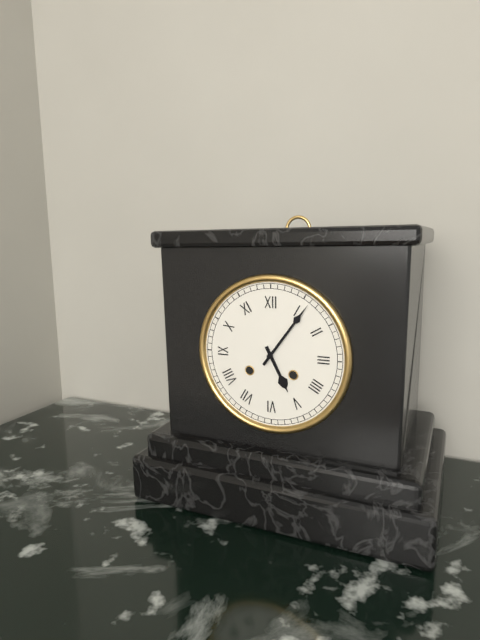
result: 5 h 06 min
